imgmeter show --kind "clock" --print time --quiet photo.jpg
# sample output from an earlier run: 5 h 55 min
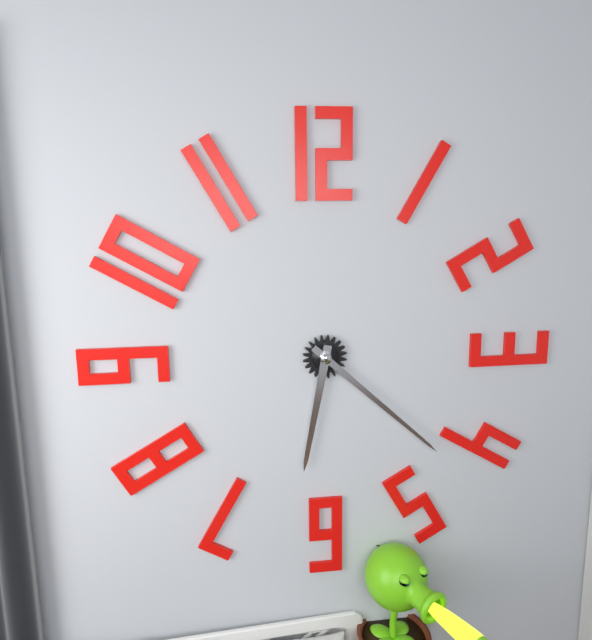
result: 6 h 22 min
